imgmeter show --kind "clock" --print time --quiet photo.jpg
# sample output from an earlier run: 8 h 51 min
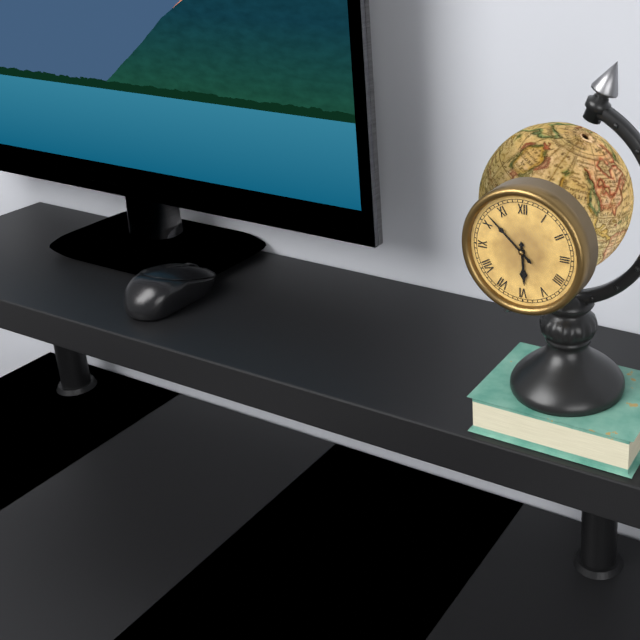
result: 5 h 52 min
